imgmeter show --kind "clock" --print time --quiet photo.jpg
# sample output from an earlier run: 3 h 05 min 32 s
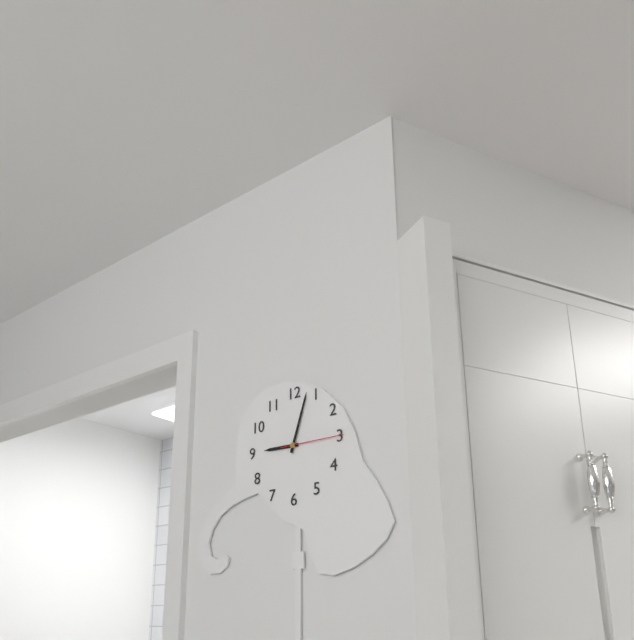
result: 9 h 03 min 15 s
